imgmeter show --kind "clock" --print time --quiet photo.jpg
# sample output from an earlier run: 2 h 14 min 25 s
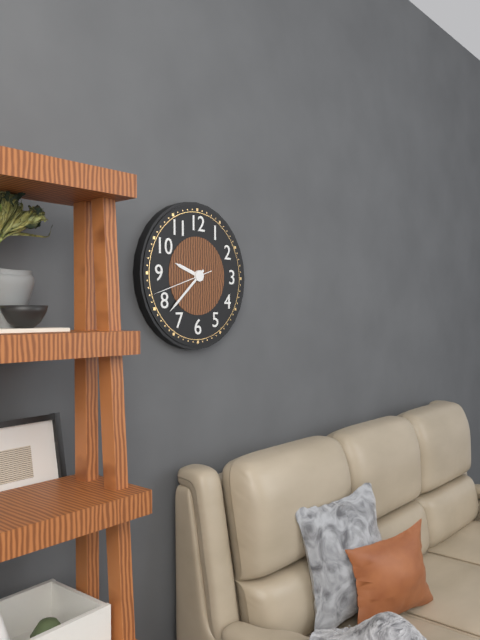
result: 9 h 38 min 42 s
